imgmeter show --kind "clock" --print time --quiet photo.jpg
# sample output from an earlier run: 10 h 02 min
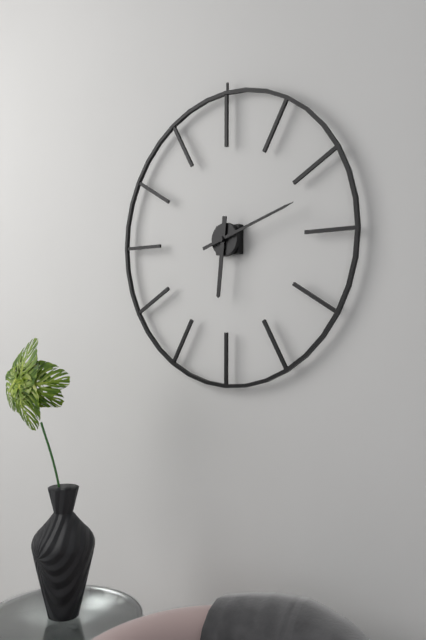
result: 6 h 12 min
